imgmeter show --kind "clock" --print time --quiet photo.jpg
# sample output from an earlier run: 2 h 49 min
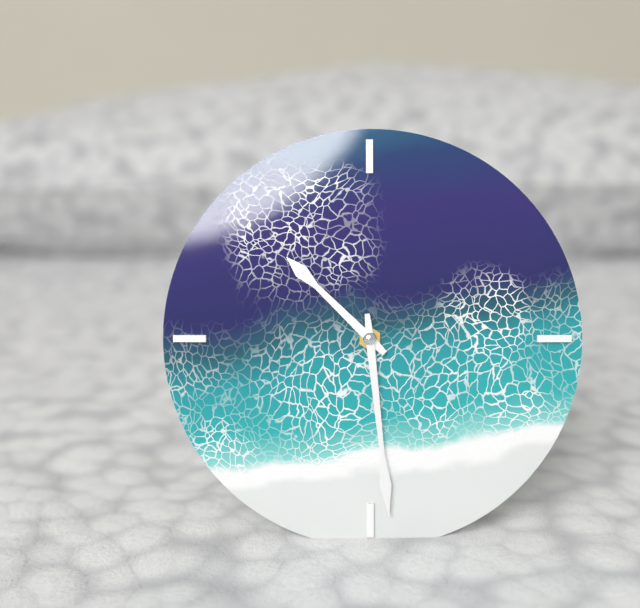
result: 10 h 29 min
